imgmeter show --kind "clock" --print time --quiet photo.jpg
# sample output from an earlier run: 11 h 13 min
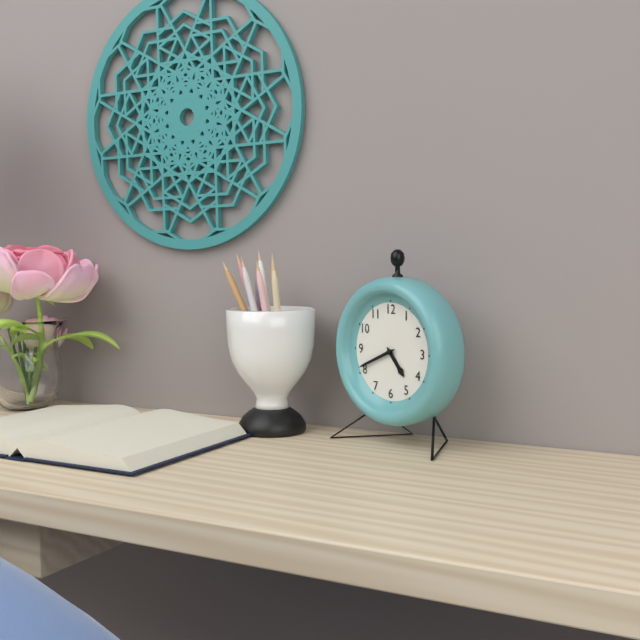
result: 4 h 41 min
